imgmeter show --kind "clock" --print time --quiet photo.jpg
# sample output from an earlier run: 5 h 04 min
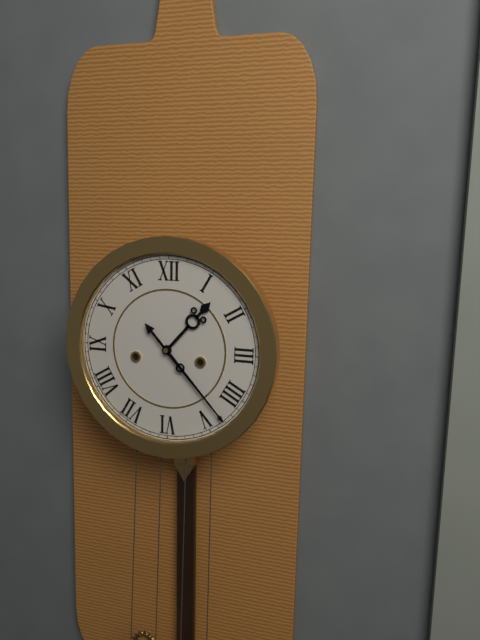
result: 1 h 23 min
